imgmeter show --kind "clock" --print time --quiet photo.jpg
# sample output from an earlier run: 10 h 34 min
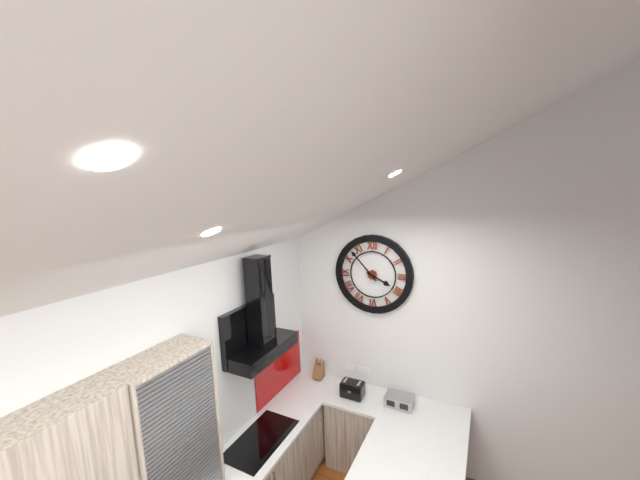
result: 3 h 53 min
